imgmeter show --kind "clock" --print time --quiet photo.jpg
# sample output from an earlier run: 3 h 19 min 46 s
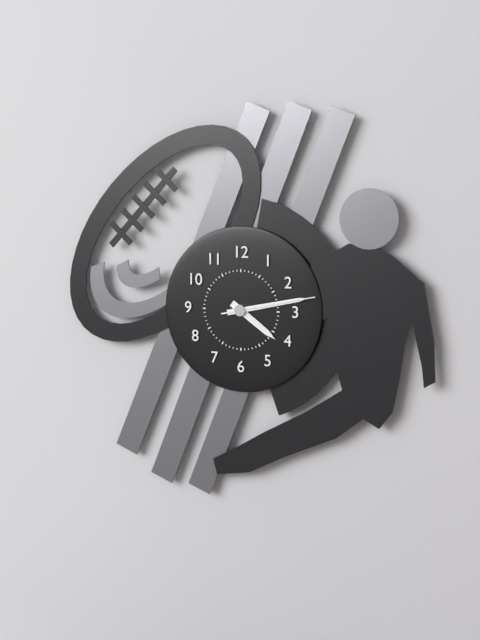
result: 4 h 13 min 13 s
